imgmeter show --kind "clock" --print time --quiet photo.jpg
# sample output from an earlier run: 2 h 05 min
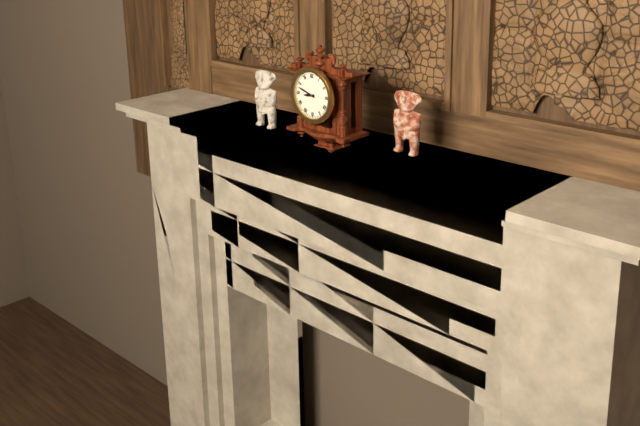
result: 8 h 48 min
